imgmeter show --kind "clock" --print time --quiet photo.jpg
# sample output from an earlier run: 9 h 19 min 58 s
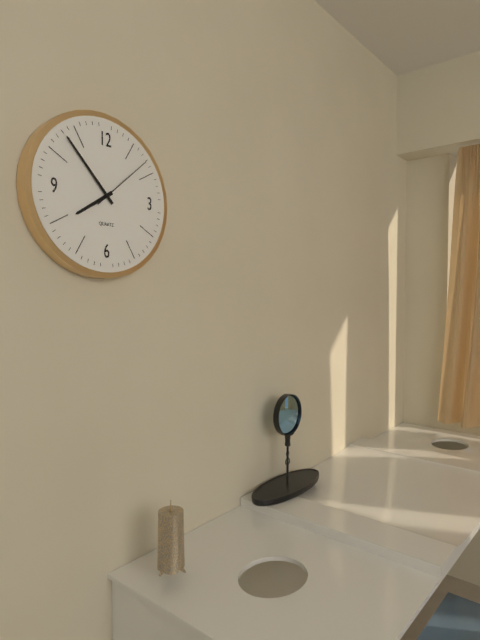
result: 7 h 53 min 08 s
